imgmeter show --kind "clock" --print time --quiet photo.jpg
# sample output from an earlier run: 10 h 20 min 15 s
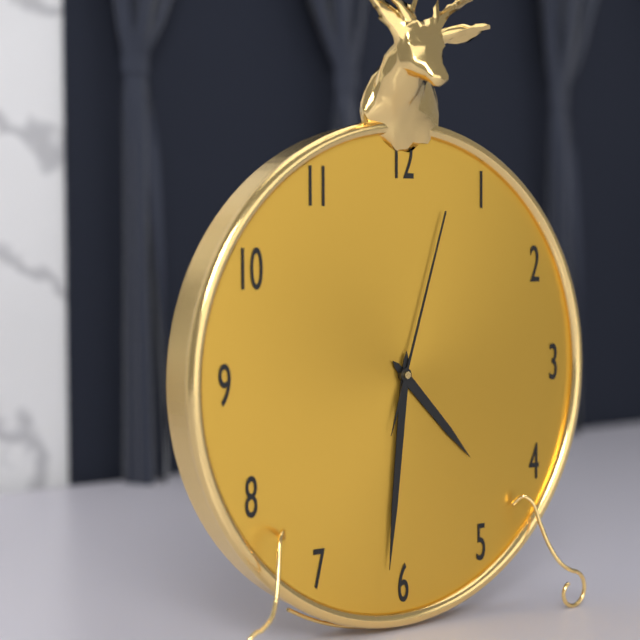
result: 4 h 31 min 03 s
